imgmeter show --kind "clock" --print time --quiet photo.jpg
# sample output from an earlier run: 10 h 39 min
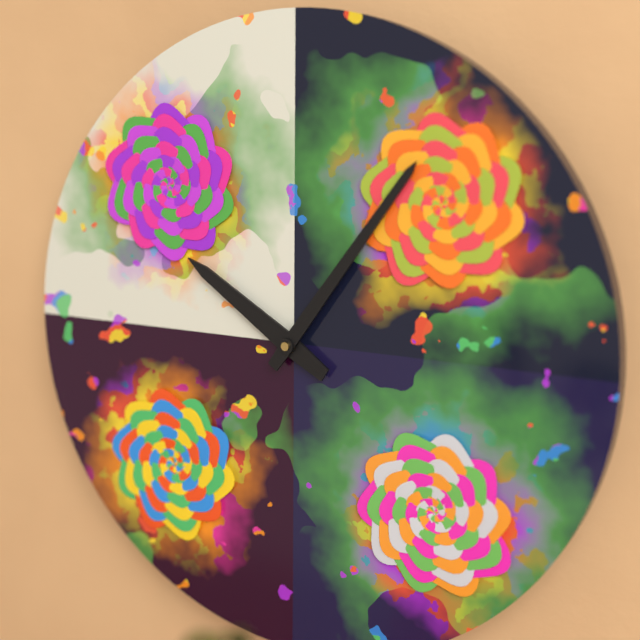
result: 10 h 06 min
